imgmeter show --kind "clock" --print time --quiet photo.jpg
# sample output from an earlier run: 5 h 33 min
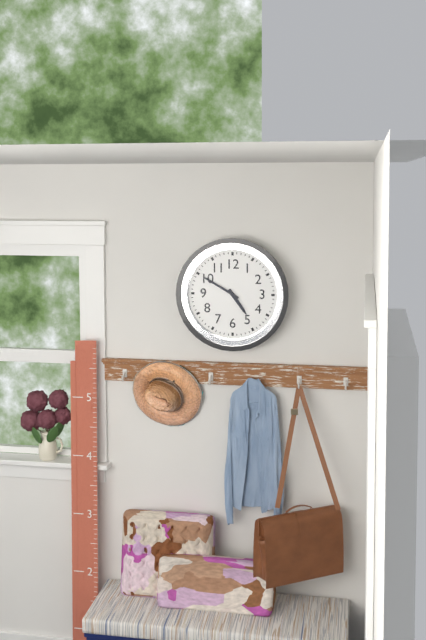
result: 4 h 50 min
